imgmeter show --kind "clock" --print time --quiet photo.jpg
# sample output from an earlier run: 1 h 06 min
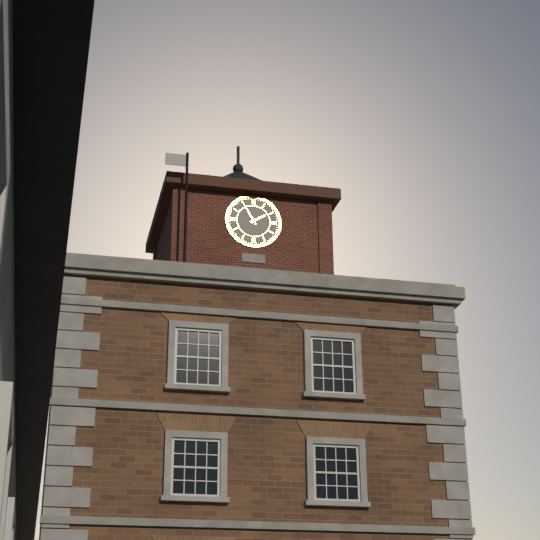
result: 1 h 55 min
